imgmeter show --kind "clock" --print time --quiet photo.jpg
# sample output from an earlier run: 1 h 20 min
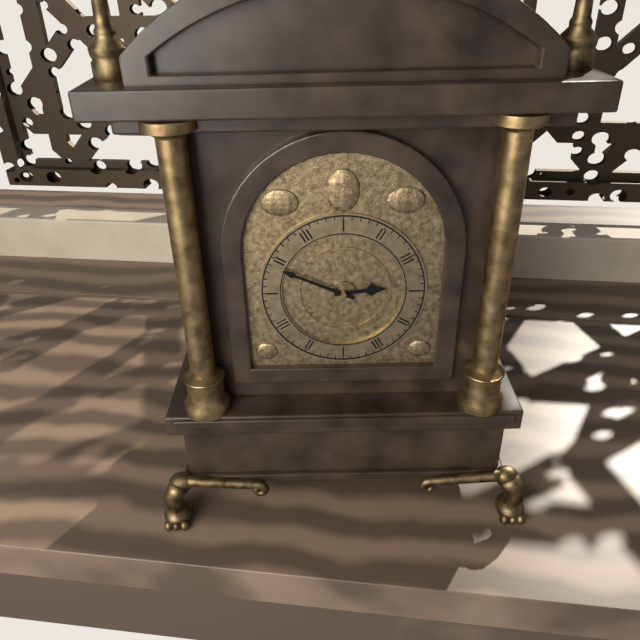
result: 2 h 49 min
